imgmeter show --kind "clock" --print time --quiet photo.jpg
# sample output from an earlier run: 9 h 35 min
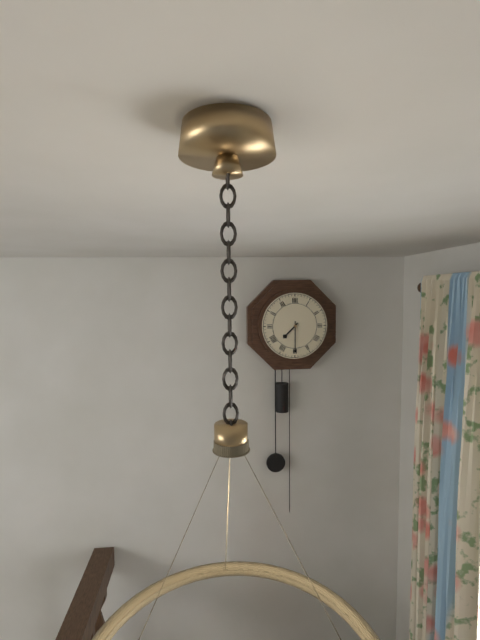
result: 7 h 30 min
